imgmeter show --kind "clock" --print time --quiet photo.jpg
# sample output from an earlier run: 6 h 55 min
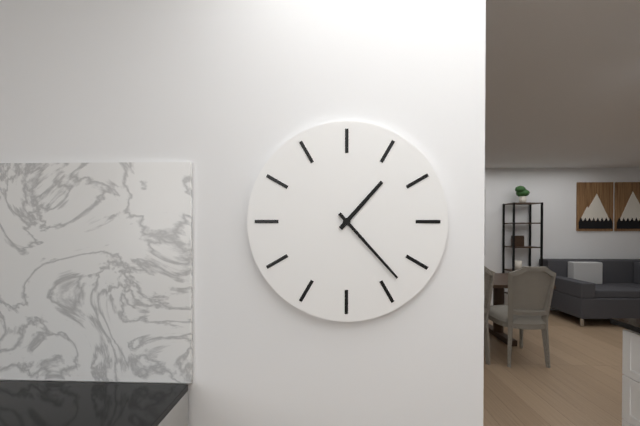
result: 1 h 23 min
